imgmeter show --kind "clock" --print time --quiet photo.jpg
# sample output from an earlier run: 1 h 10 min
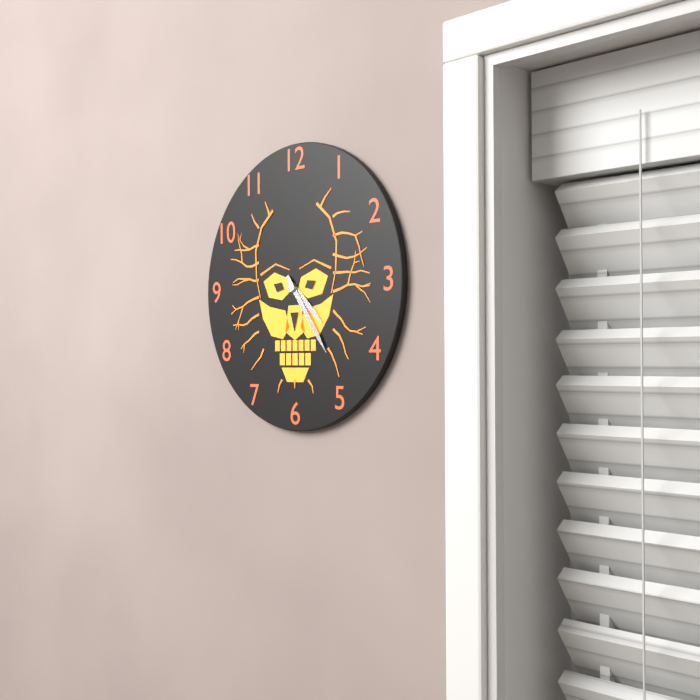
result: 4 h 24 min
